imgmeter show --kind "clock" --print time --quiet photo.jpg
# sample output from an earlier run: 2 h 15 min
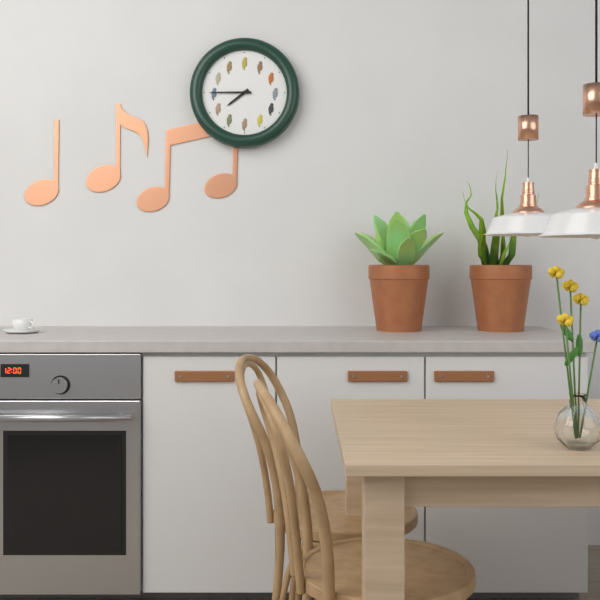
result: 7 h 45 min
